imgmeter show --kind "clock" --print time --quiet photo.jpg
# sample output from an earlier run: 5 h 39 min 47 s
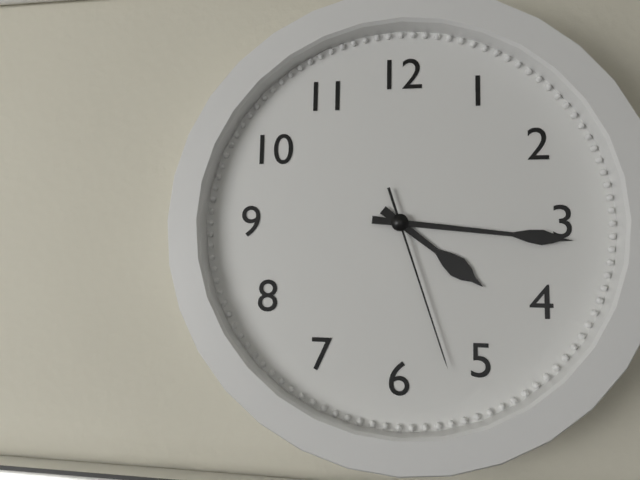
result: 4 h 16 min 27 s
